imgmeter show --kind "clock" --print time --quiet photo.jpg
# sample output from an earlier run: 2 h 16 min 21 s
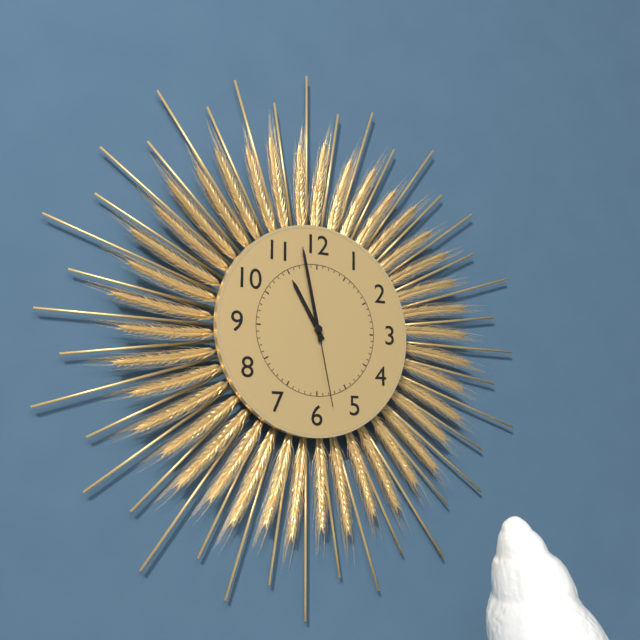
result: 10 h 58 min 28 s
